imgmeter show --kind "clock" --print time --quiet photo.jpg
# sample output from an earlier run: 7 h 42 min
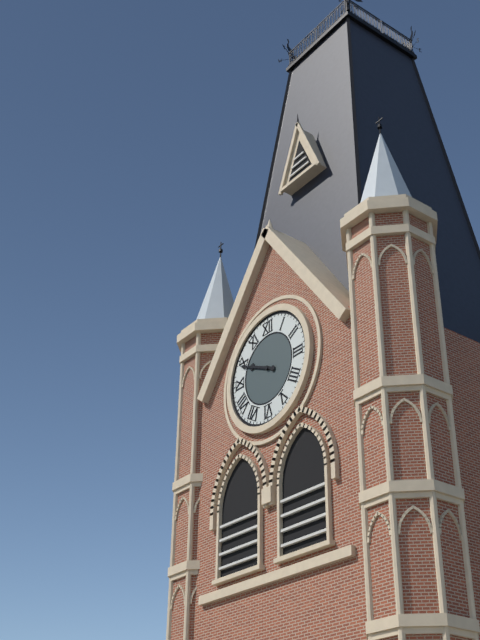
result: 9 h 49 min
